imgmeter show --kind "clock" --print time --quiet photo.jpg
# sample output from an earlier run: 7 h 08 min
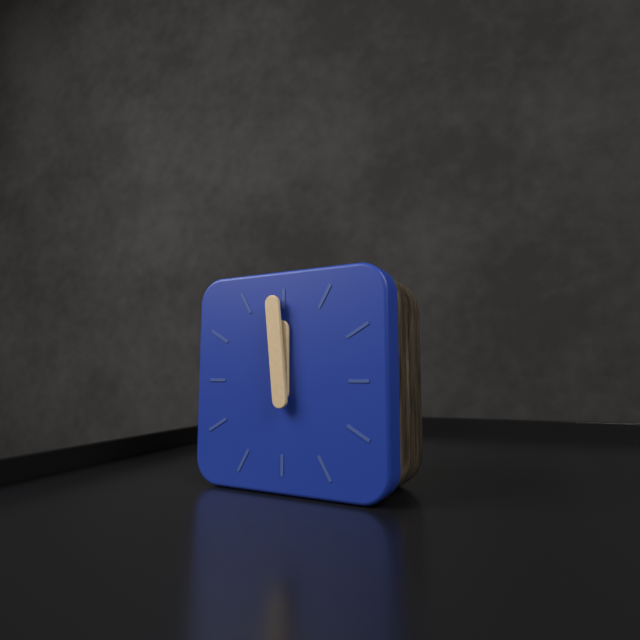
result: 11 h 59 min
